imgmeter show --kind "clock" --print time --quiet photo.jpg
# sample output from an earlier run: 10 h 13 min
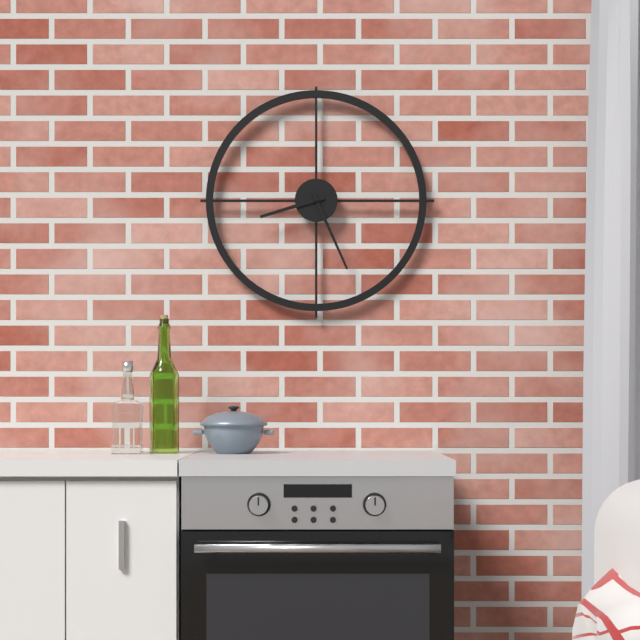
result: 8 h 26 min
